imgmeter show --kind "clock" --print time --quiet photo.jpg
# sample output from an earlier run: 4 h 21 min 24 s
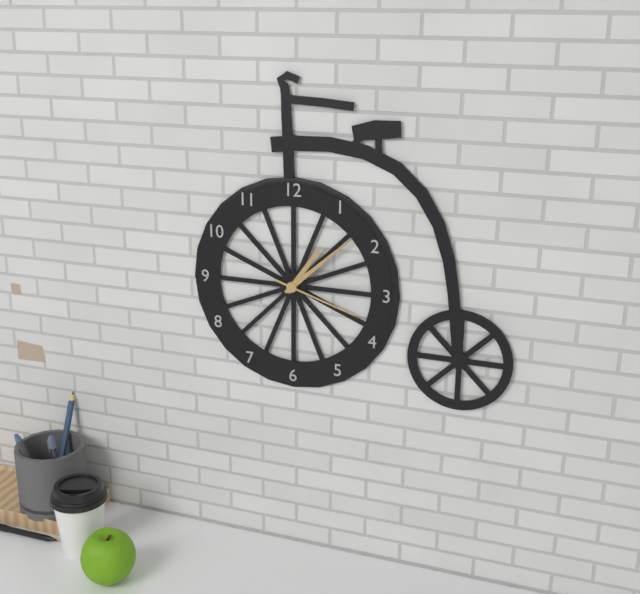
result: 1 h 08 min 18 s
